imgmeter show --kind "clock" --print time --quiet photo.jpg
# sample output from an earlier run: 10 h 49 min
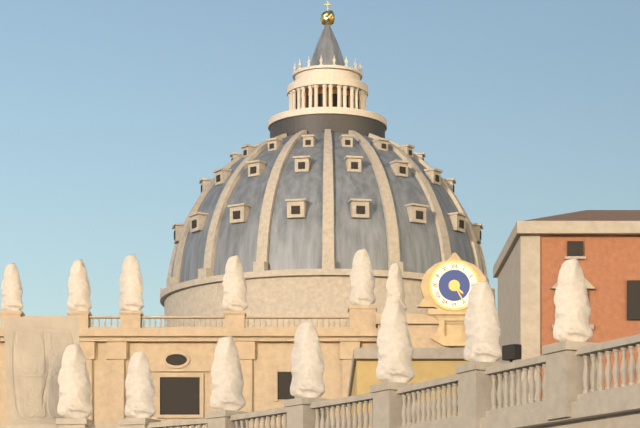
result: 4 h 25 min
